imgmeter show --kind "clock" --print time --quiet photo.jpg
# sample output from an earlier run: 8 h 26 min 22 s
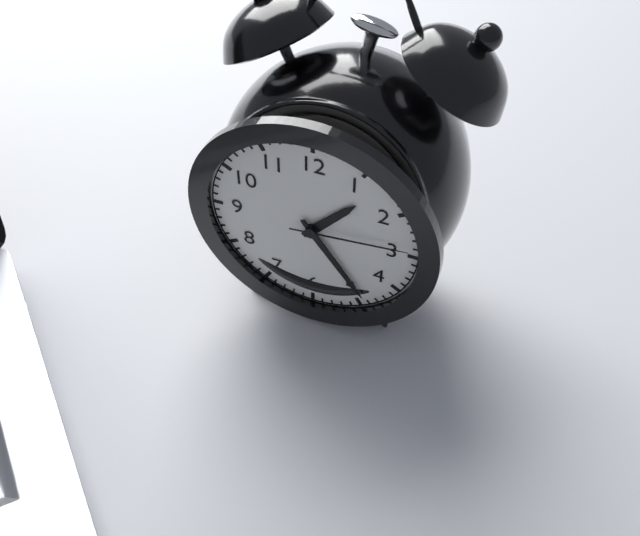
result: 1 h 24 min 14 s
